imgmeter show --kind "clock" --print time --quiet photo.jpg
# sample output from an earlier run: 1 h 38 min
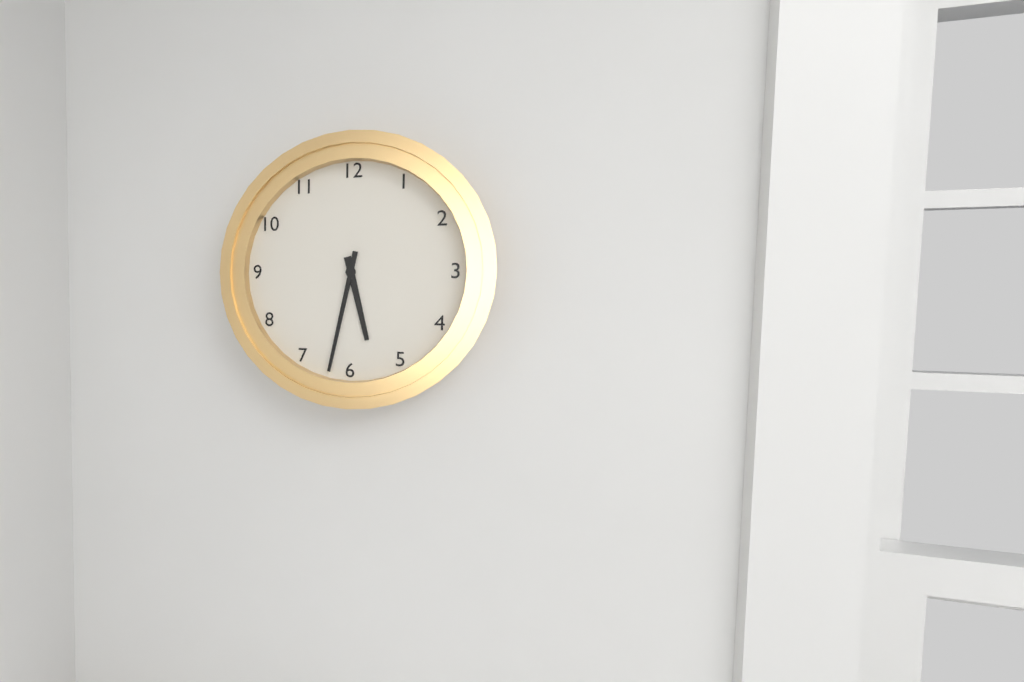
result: 5 h 32 min
